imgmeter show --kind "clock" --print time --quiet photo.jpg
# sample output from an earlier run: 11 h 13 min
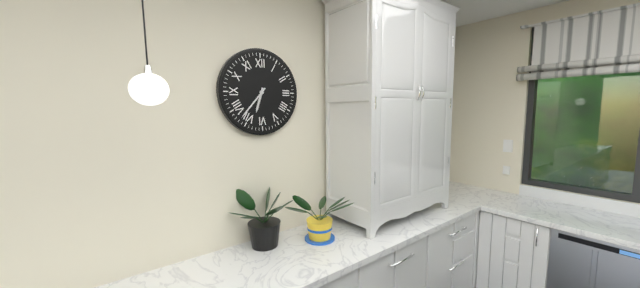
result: 6 h 37 min
